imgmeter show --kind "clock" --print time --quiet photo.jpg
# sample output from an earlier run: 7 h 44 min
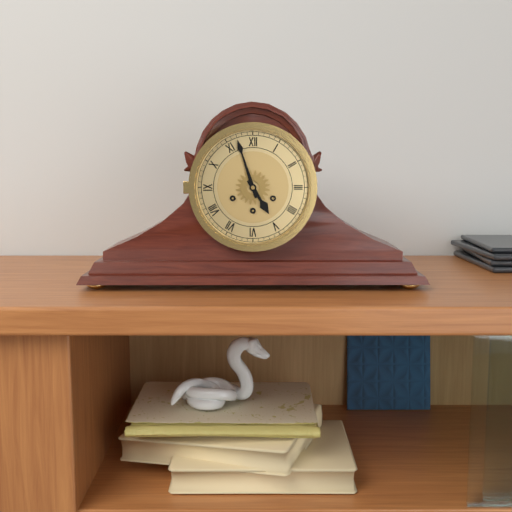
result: 4 h 57 min
